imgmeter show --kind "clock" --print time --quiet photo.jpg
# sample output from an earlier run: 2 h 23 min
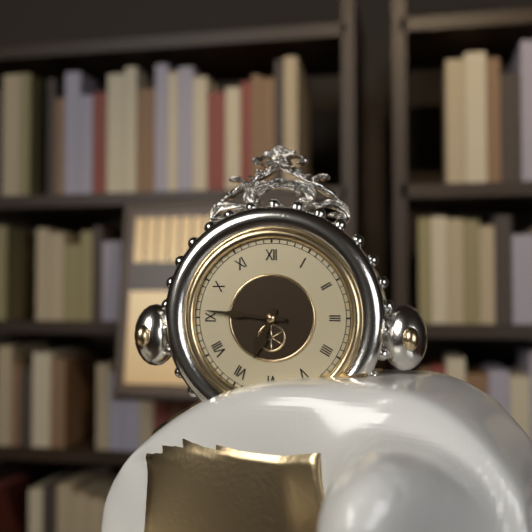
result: 6 h 46 min
